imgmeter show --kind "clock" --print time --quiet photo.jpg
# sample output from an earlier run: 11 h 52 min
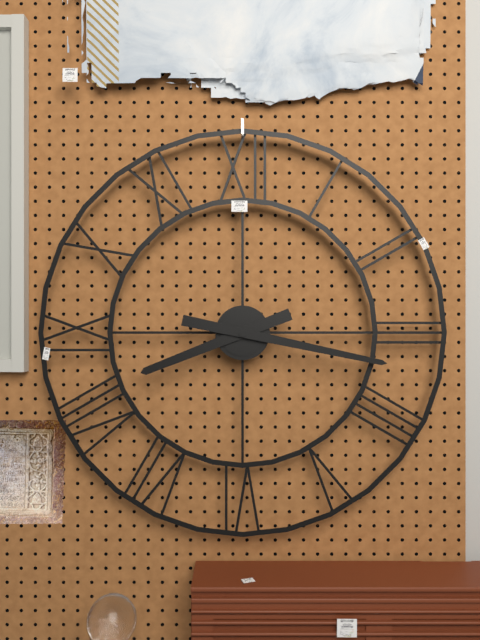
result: 8 h 17 min
